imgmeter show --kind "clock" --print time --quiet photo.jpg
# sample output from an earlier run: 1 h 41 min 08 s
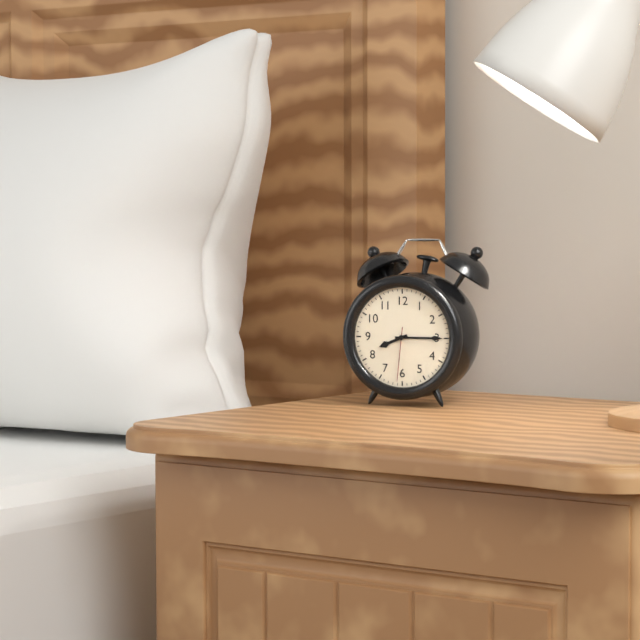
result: 8 h 15 min 31 s
